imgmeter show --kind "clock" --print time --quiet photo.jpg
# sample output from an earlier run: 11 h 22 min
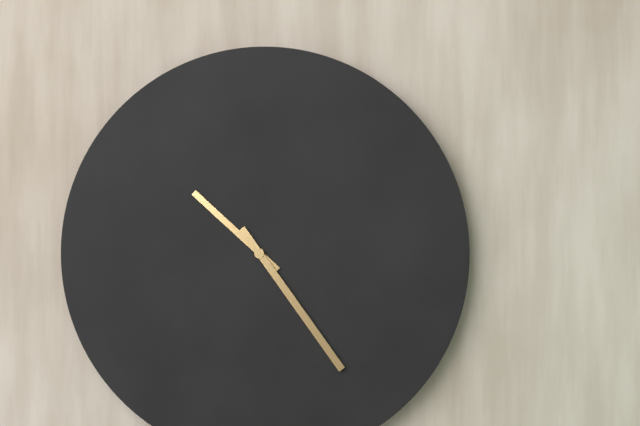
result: 10 h 24 min
